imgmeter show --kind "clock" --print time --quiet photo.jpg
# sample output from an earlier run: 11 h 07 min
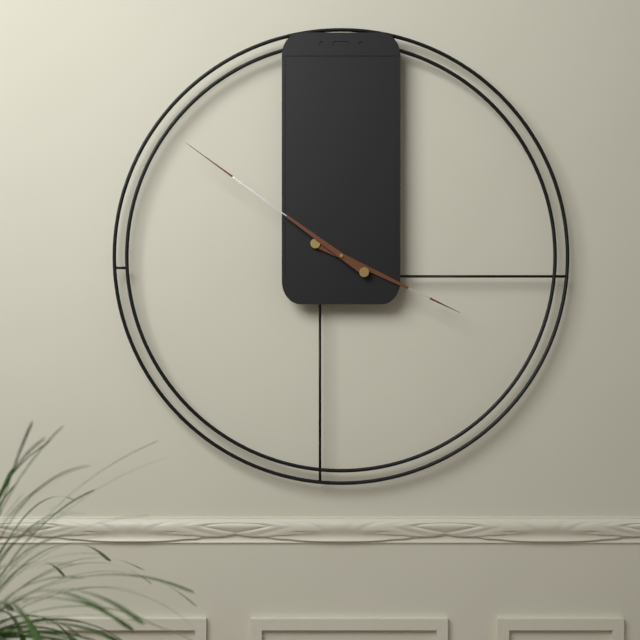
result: 3 h 51 min
